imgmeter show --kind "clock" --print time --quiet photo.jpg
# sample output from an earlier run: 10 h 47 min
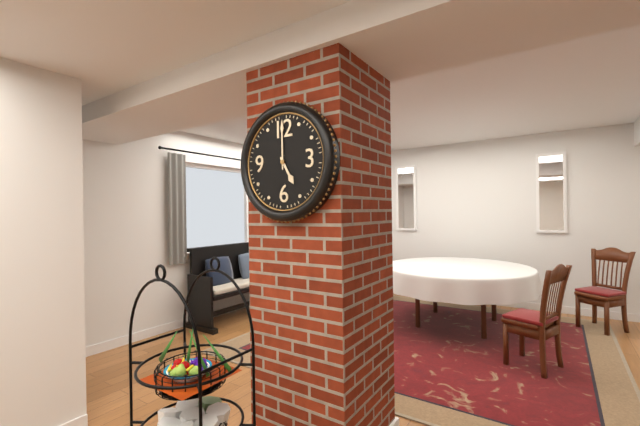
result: 5 h 00 min
